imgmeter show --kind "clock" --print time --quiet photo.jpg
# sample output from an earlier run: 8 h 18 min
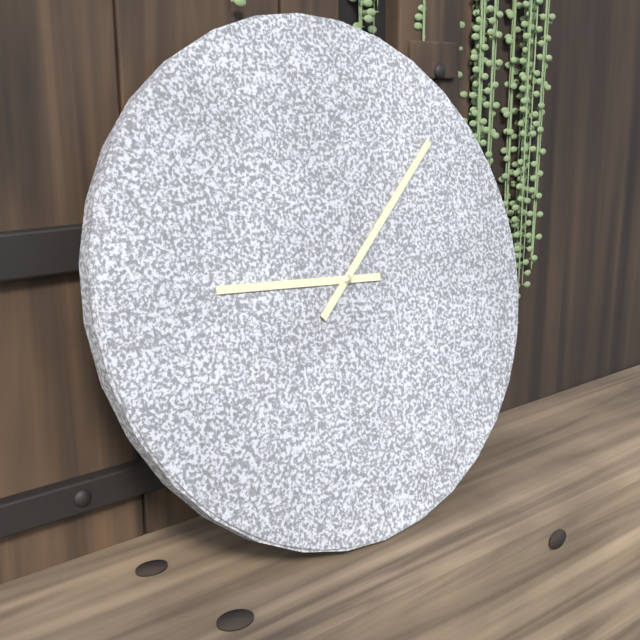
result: 9 h 08 min
